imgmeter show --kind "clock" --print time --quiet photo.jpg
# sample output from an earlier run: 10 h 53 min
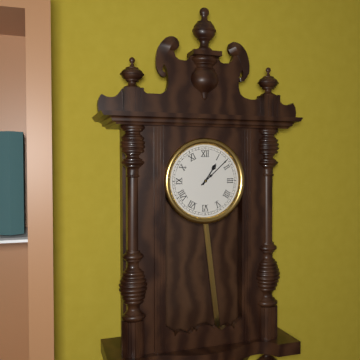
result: 1 h 08 min
